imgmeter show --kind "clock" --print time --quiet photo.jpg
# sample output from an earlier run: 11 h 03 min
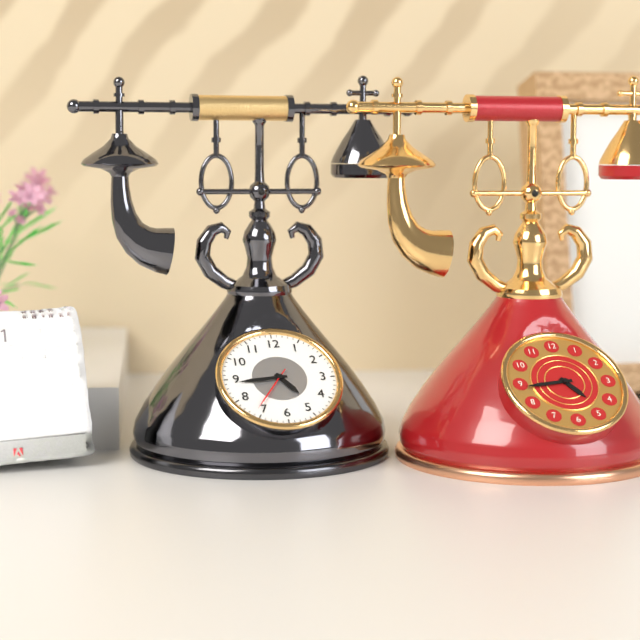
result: 4 h 44 min
